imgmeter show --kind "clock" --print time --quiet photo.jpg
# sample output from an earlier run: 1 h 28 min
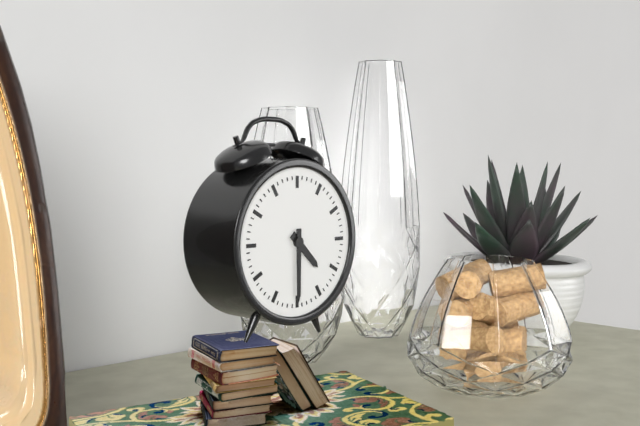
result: 4 h 30 min
